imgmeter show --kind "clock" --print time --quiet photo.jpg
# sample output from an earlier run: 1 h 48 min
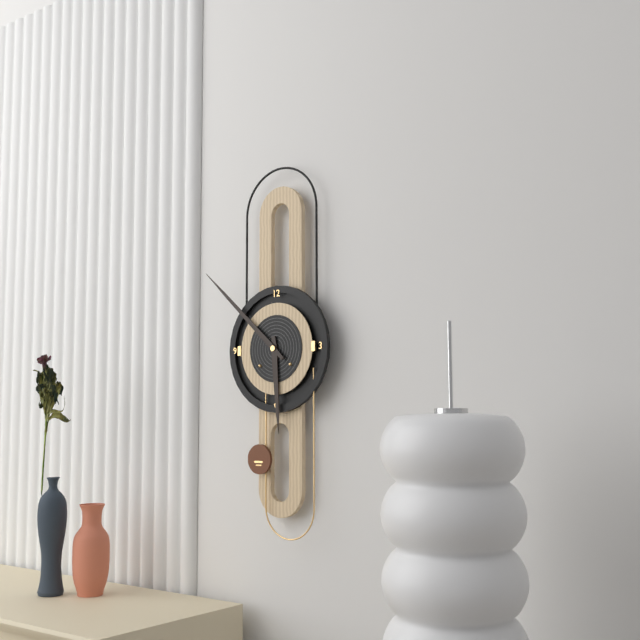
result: 5 h 52 min
